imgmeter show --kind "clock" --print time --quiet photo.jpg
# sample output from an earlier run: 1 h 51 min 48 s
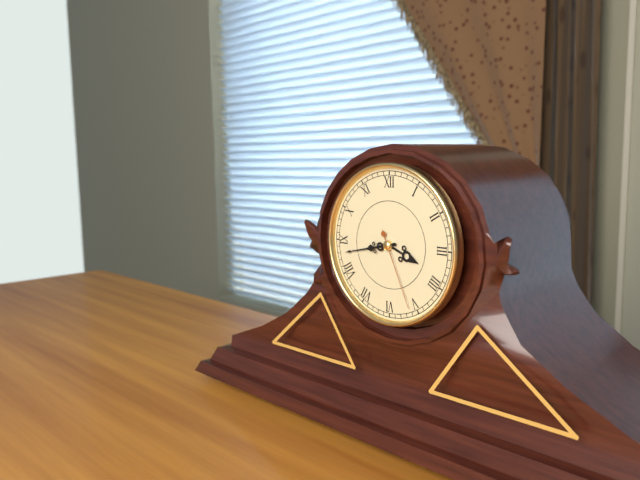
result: 3 h 43 min 26 s
